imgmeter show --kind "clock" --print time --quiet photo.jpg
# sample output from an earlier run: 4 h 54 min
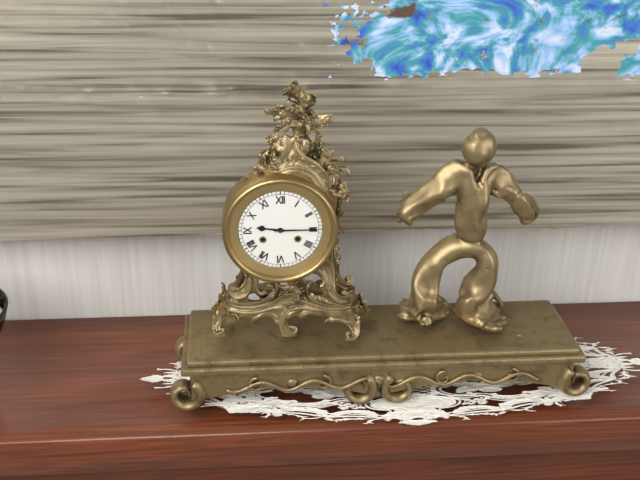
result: 9 h 15 min
